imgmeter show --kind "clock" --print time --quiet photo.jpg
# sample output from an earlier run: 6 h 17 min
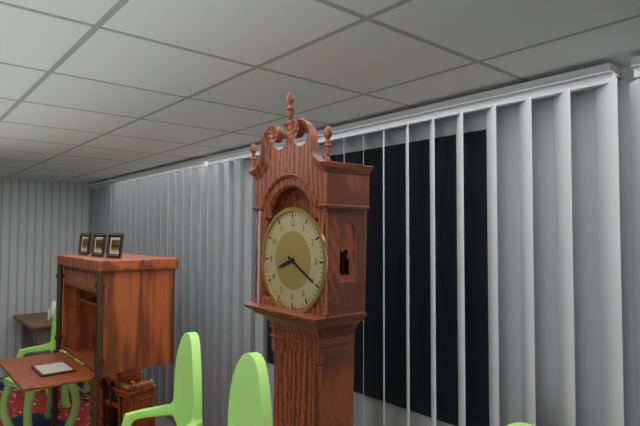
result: 8 h 20 min
